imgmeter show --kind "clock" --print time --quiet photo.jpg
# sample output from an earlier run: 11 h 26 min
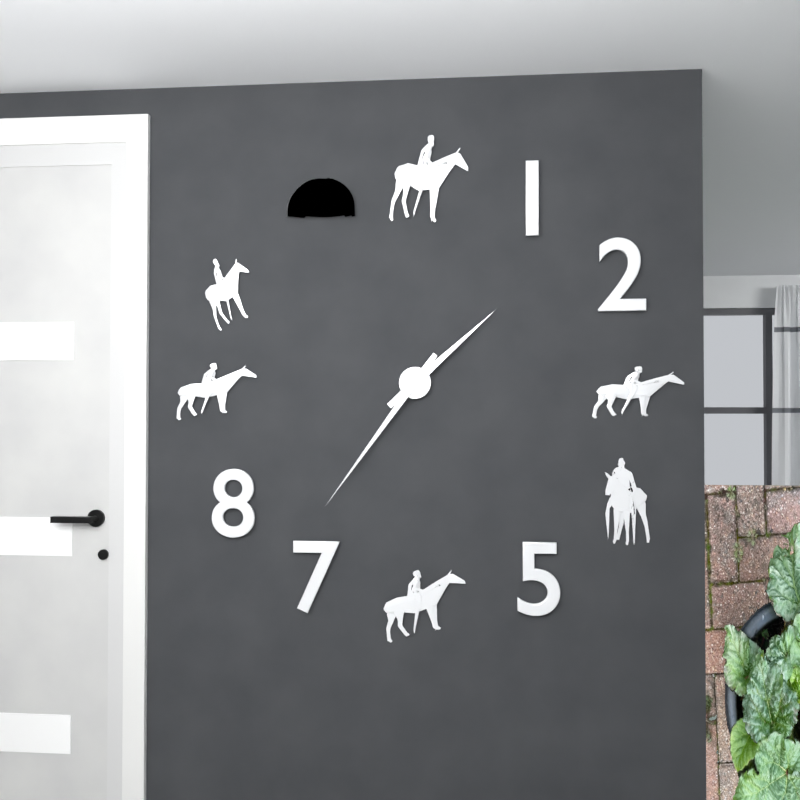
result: 1 h 36 min
